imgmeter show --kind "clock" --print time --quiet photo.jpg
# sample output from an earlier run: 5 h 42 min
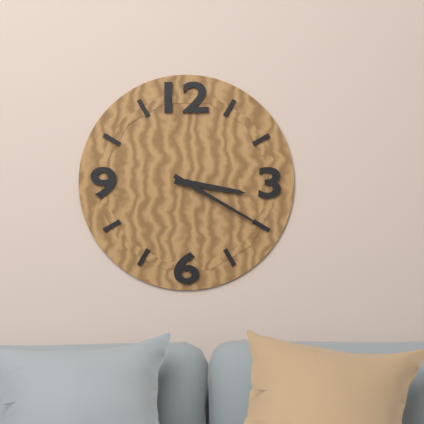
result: 3 h 20 min
